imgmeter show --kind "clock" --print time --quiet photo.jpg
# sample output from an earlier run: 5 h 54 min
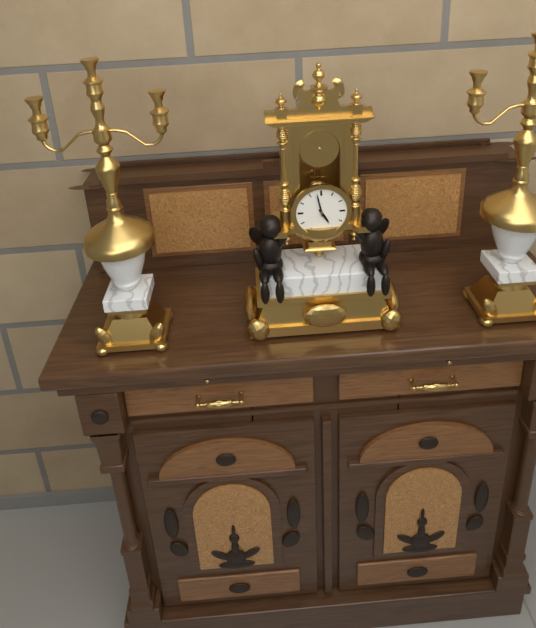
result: 4 h 58 min
